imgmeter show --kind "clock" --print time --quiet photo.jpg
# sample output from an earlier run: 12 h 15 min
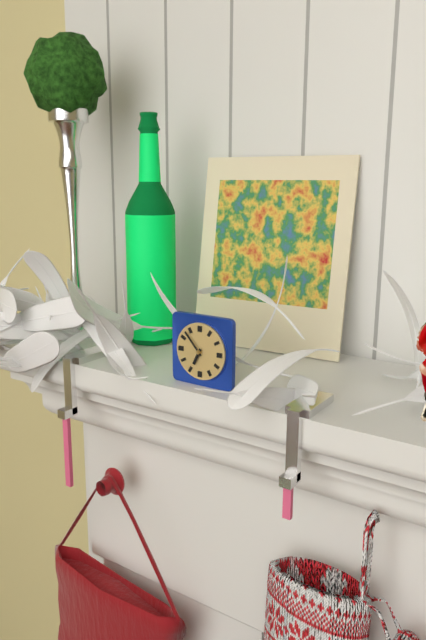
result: 6 h 53 min
